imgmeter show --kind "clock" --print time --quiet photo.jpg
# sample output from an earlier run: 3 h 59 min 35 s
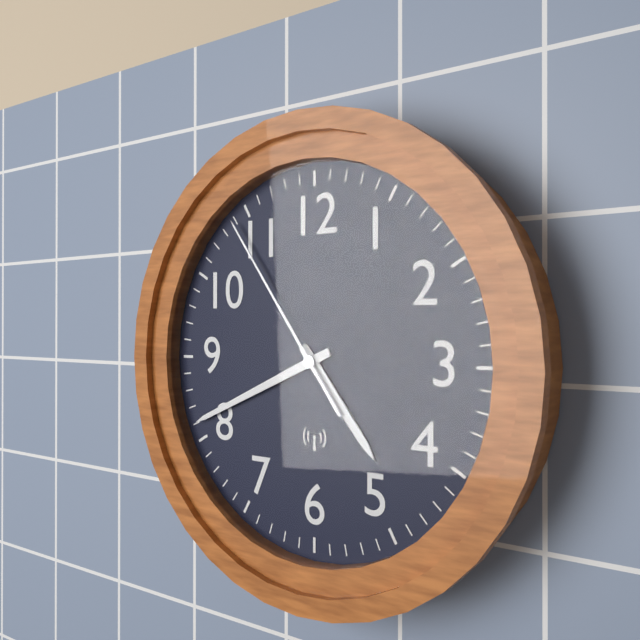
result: 4 h 41 min 54 s
